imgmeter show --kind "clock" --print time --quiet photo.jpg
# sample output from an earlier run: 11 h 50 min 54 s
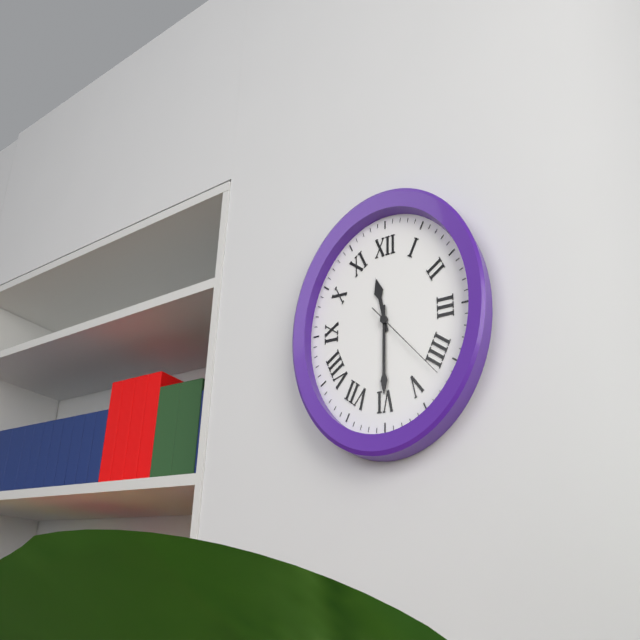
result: 11 h 30 min 22 s
